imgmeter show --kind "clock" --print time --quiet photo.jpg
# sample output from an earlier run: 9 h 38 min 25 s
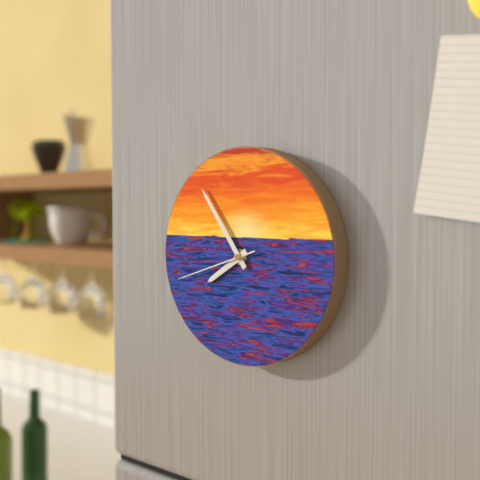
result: 7 h 54 min 42 s
